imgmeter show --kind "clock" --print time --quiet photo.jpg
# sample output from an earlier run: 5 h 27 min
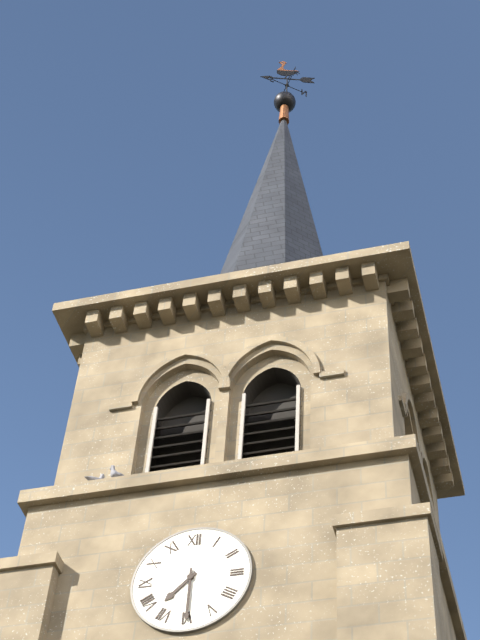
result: 7 h 30 min
